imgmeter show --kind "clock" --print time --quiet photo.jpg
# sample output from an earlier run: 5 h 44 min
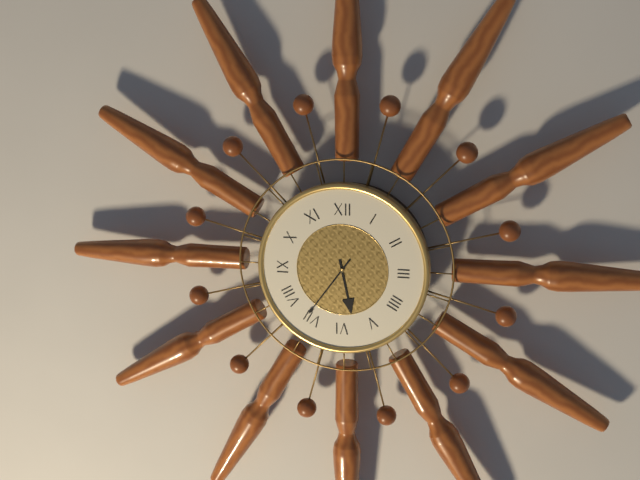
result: 5 h 36 min
